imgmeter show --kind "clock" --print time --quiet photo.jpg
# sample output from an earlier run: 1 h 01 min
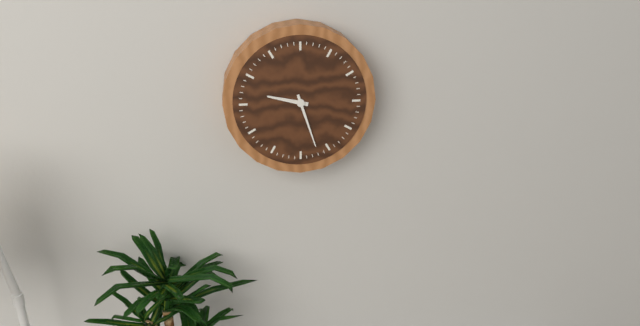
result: 9 h 27 min
